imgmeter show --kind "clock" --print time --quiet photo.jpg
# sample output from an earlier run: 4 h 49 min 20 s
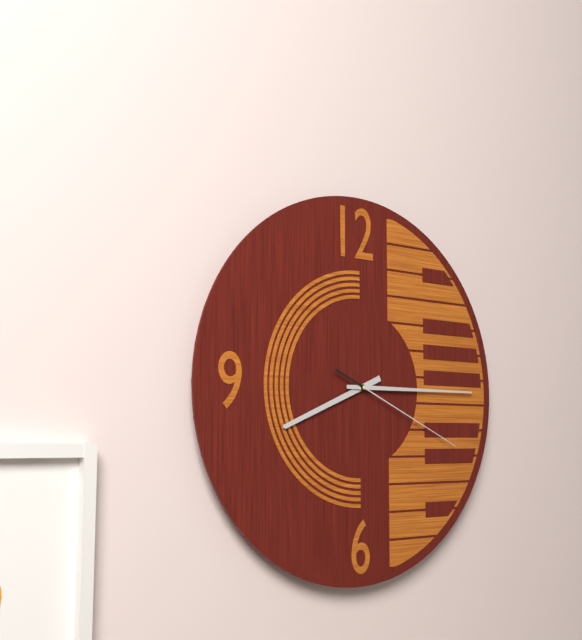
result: 8 h 15 min 19 s
